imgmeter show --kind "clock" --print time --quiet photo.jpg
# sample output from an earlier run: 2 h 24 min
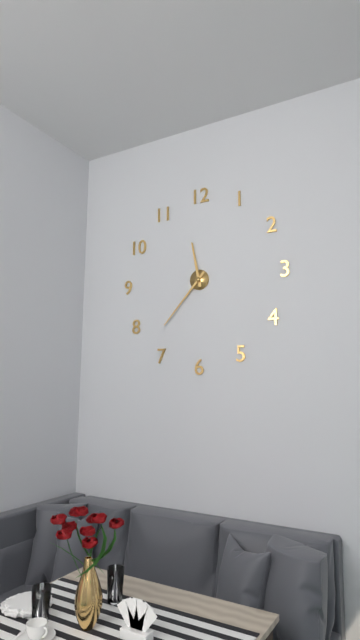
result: 11 h 37 min
